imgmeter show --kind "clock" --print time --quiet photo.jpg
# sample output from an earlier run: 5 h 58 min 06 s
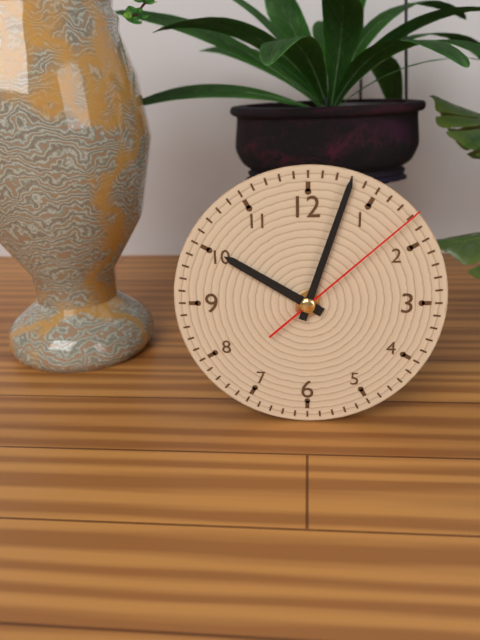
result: 10 h 03 min 08 s
